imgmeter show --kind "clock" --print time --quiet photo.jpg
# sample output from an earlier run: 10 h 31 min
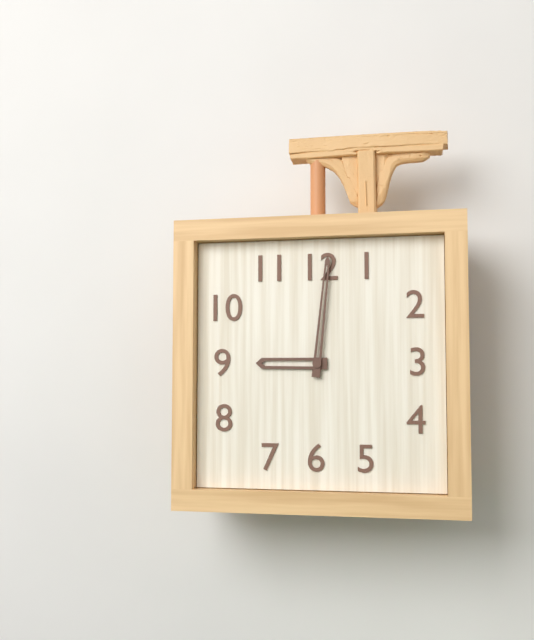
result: 9 h 01 min
